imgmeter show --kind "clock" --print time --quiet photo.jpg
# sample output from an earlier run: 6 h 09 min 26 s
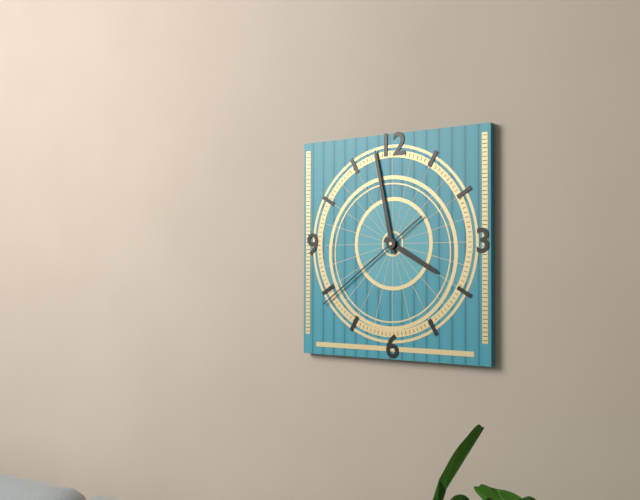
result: 3 h 58 min 39 s
